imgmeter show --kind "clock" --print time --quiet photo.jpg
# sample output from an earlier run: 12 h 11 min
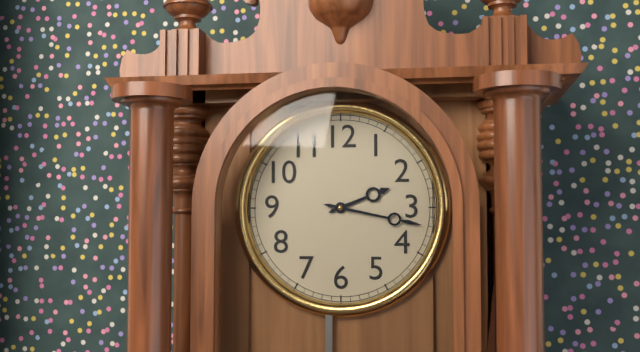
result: 2 h 17 min
